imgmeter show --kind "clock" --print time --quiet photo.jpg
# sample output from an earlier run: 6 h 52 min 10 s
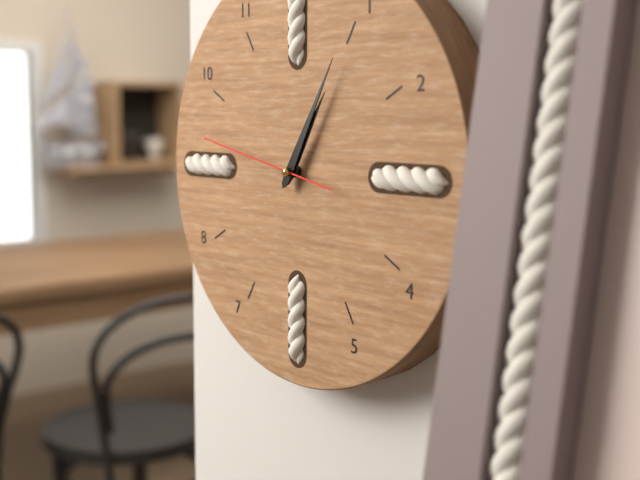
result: 1 h 05 min 47 s
